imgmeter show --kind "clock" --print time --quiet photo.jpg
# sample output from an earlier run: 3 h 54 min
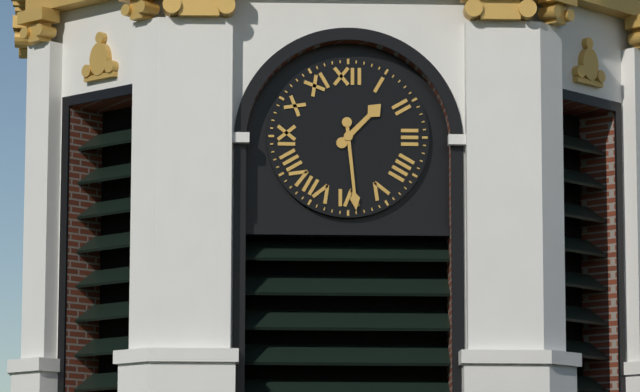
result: 1 h 29 min
